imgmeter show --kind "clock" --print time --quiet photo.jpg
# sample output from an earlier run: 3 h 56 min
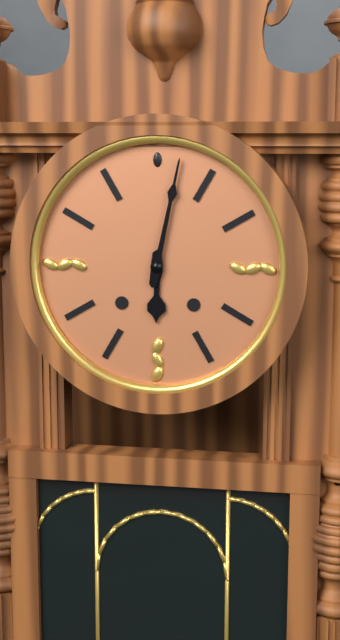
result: 6 h 02 min
